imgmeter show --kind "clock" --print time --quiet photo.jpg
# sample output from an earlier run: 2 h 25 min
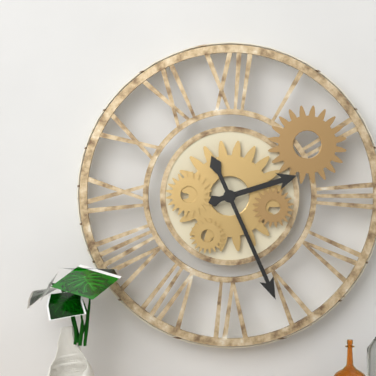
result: 2 h 26 min
